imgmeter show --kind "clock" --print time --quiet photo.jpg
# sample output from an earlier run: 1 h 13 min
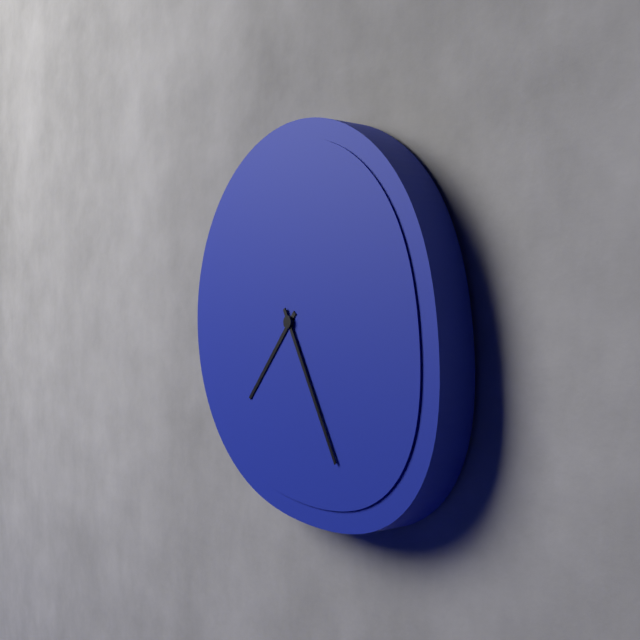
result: 7 h 25 min
